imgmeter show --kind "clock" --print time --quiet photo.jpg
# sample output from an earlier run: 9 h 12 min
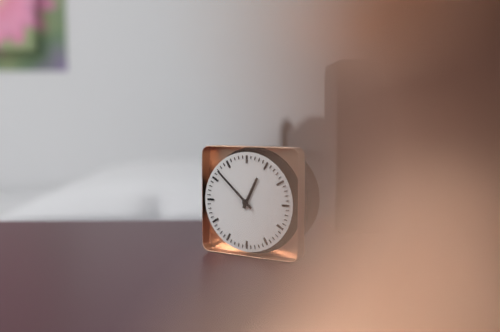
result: 12 h 52 min
